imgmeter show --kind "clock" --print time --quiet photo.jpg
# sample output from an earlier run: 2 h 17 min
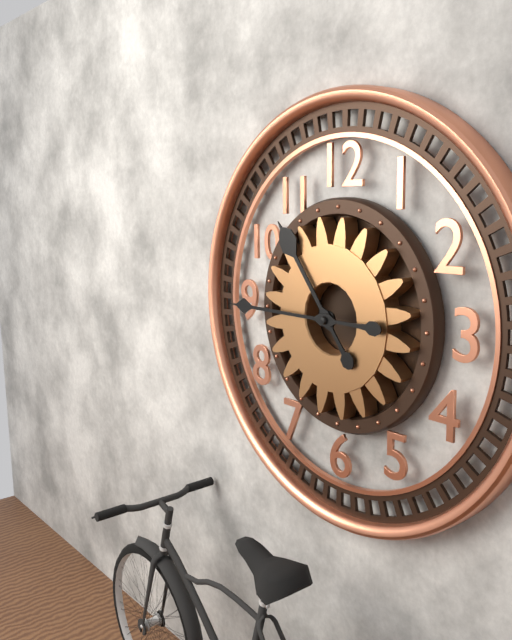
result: 10 h 45 min
